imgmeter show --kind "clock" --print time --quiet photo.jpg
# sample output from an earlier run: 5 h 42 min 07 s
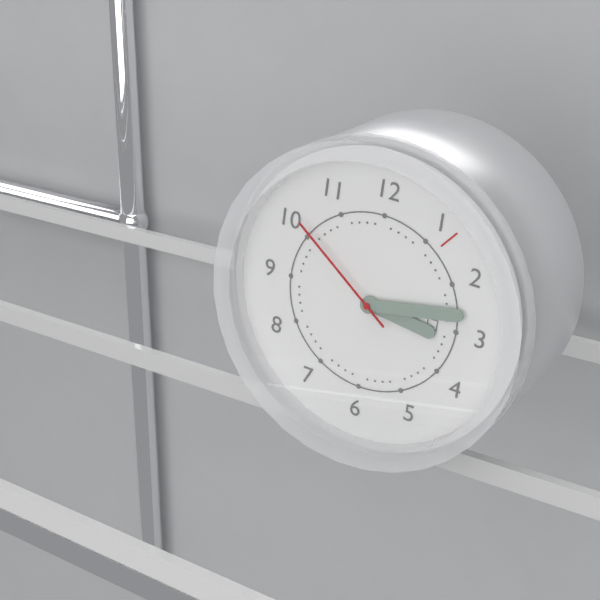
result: 3 h 13 min 51 s
